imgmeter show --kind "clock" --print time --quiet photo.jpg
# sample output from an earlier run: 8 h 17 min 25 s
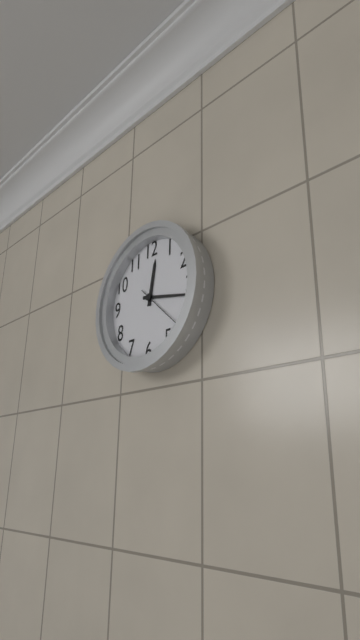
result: 12 h 17 min 22 s
